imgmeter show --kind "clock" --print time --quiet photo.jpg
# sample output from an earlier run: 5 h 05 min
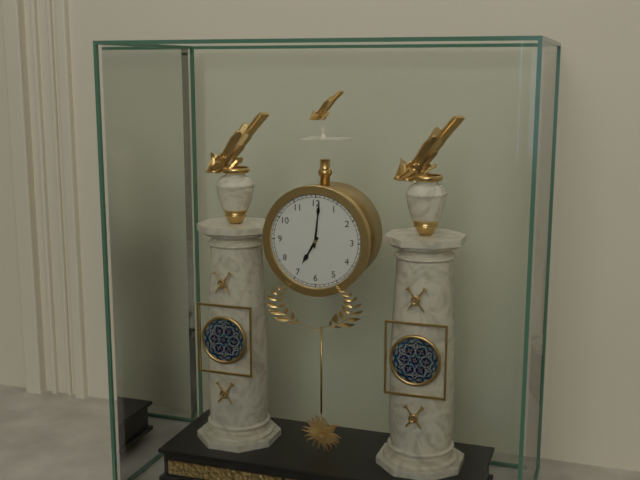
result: 7 h 01 min
